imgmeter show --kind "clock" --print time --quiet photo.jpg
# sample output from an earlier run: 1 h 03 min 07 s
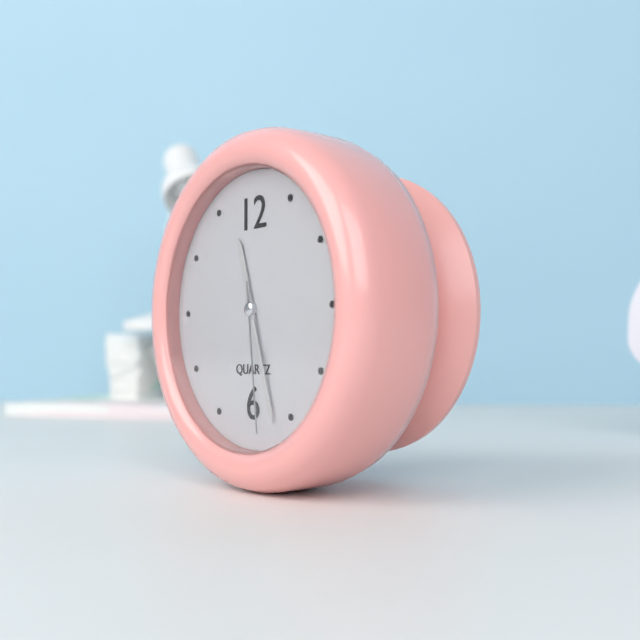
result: 11 h 27 min 29 s
